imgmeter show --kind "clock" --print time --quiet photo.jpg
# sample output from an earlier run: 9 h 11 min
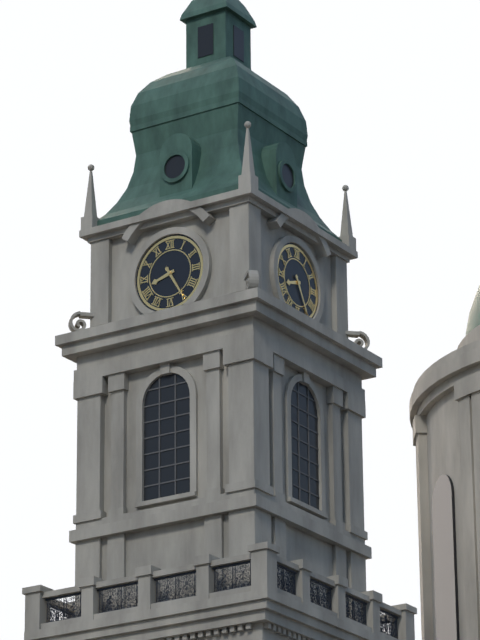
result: 8 h 25 min
